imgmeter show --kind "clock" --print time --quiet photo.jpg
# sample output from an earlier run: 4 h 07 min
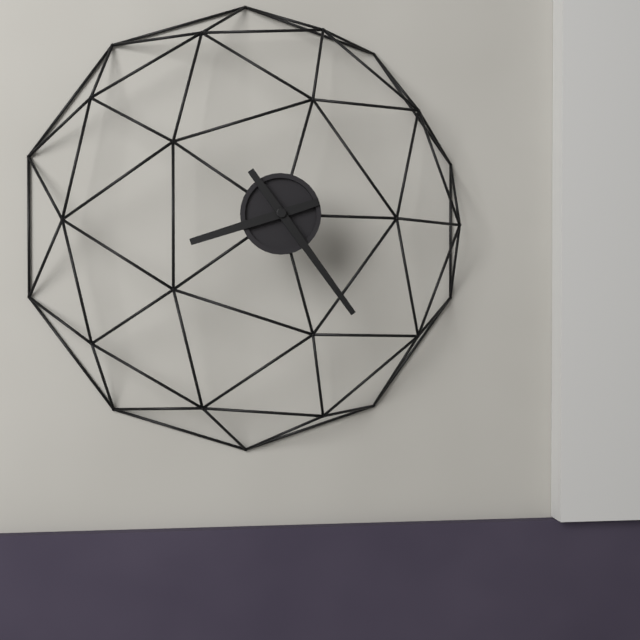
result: 8 h 24 min
